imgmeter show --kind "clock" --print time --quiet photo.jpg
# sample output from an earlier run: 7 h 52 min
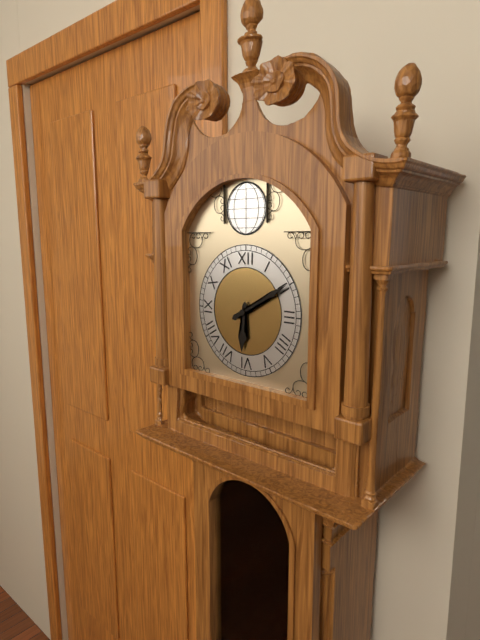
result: 6 h 10 min
